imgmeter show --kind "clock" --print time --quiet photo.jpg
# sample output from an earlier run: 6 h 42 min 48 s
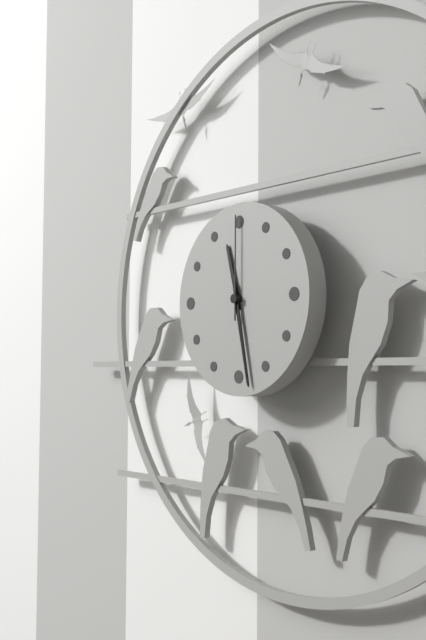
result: 11 h 28 min 00 s
